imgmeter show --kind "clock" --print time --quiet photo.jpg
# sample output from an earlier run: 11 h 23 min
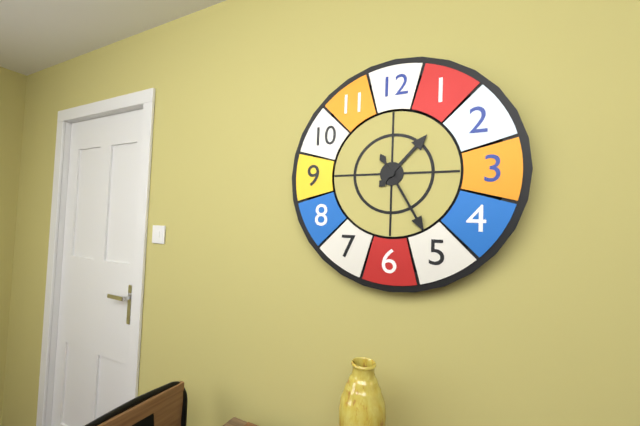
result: 1 h 25 min
